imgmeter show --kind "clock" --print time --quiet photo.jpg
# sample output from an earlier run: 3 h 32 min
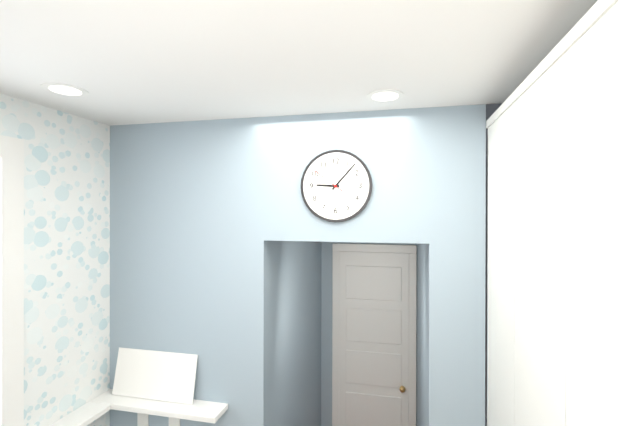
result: 9 h 07 min
